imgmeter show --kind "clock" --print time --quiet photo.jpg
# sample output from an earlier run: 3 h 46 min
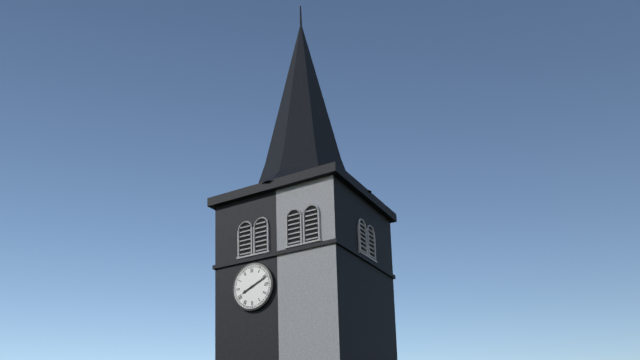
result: 8 h 11 min
